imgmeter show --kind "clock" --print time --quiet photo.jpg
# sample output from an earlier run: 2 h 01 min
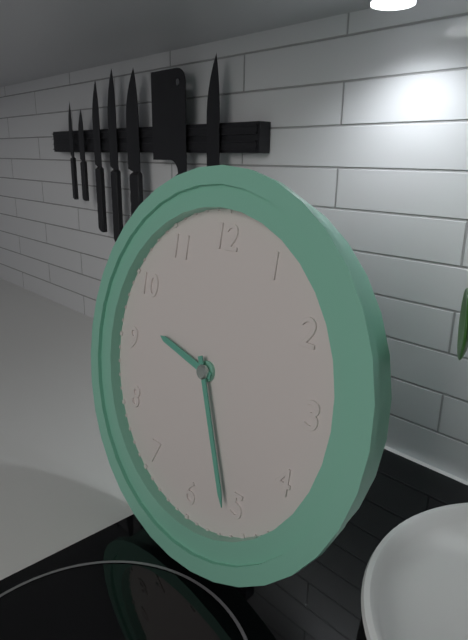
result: 9 h 26 min
